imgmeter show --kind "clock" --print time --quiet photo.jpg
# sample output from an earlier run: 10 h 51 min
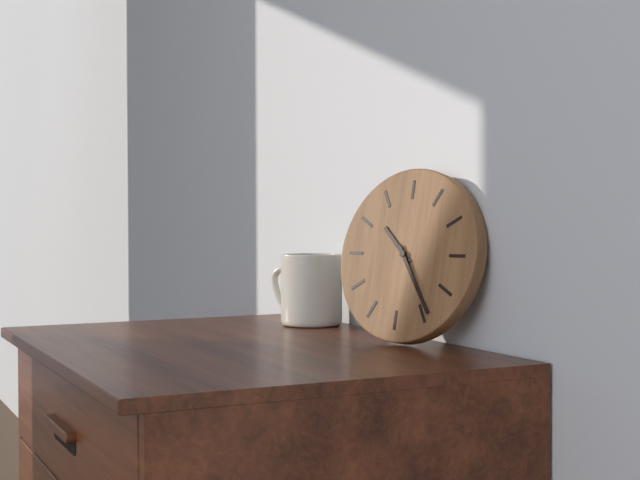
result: 10 h 24 min
